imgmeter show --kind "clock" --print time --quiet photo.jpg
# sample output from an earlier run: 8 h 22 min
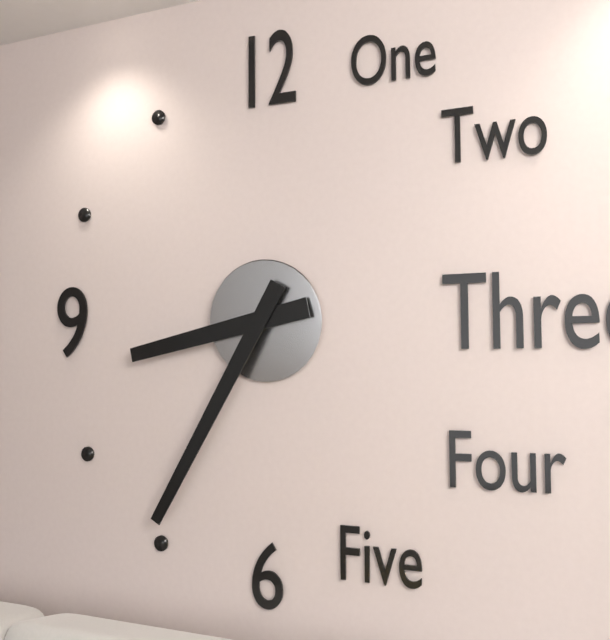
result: 8 h 35 min
